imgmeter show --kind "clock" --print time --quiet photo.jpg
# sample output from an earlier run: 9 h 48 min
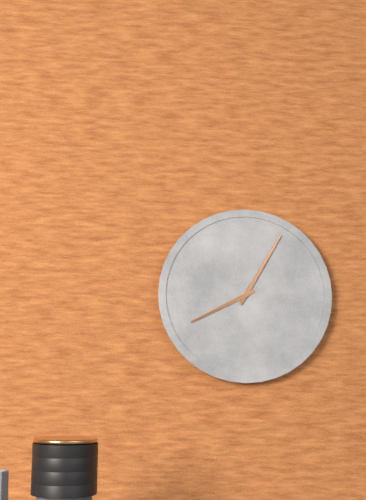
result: 8 h 05 min
